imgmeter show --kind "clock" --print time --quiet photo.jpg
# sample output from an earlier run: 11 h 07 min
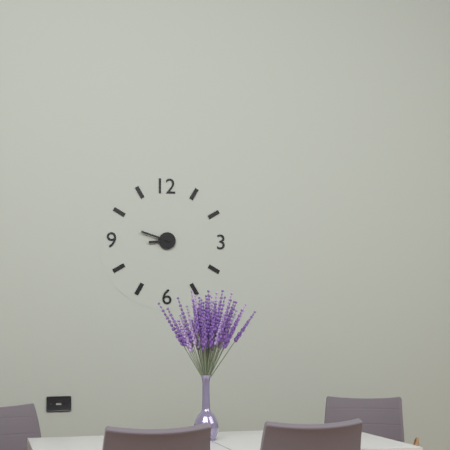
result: 8 h 48 min
